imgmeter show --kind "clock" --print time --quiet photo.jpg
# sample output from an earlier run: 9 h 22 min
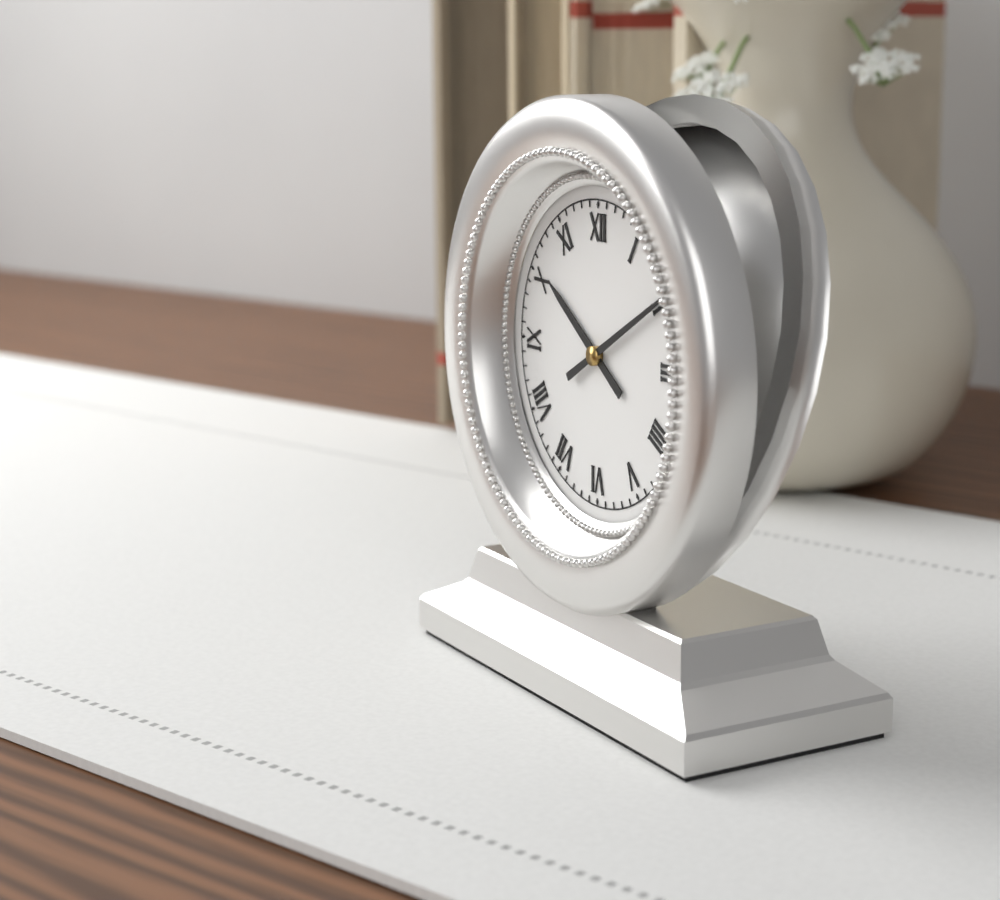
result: 10 h 10 min
